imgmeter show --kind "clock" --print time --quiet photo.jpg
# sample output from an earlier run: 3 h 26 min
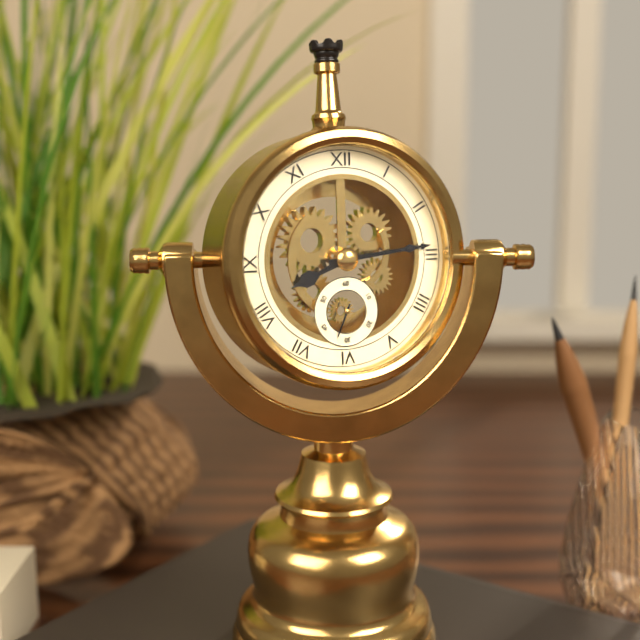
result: 8 h 14 min
